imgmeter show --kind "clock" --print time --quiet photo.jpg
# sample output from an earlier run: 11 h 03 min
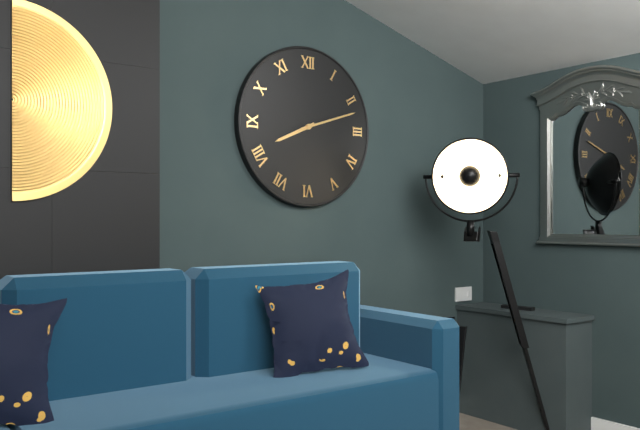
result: 8 h 12 min
